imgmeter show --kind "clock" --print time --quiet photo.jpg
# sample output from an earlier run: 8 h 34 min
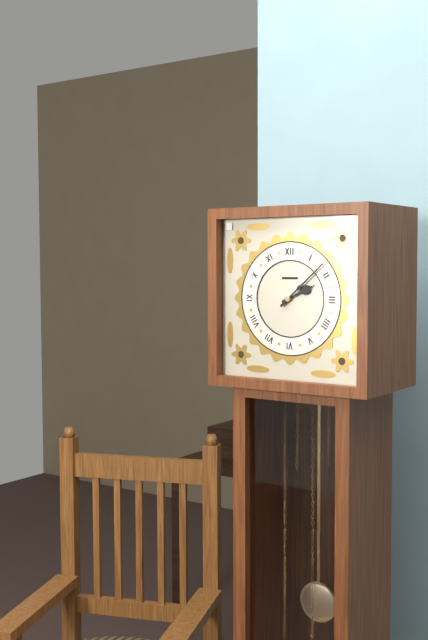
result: 2 h 08 min
